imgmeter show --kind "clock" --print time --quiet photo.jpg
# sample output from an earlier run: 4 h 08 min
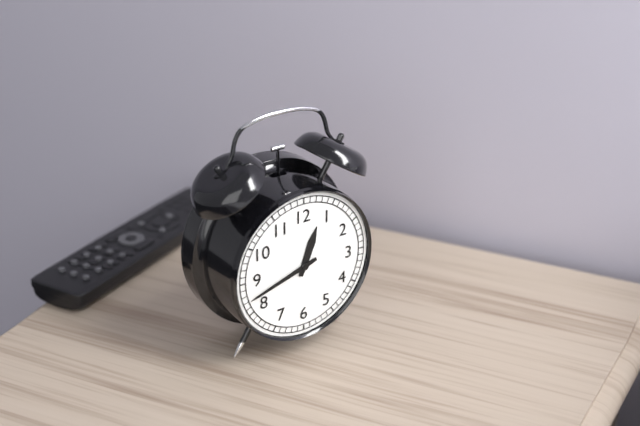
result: 12 h 42 min
